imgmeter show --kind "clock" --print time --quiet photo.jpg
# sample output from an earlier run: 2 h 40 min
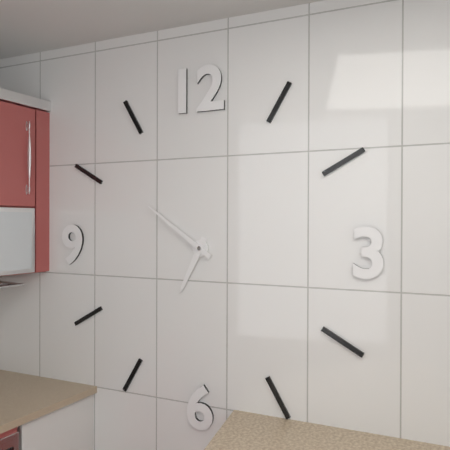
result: 6 h 51 min
